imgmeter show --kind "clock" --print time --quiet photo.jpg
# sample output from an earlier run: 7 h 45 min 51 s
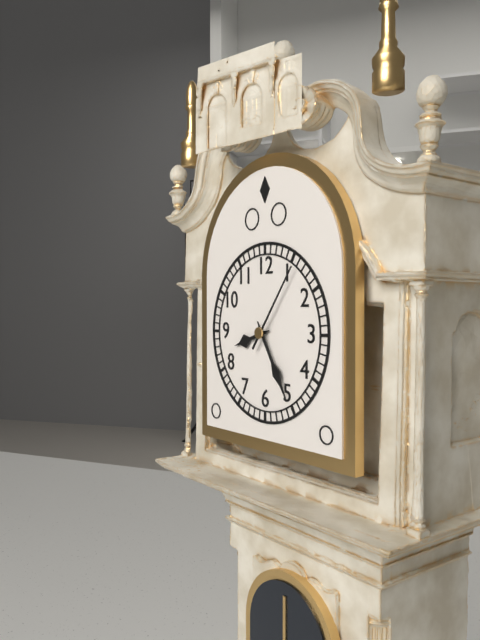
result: 8 h 25 min 06 s
